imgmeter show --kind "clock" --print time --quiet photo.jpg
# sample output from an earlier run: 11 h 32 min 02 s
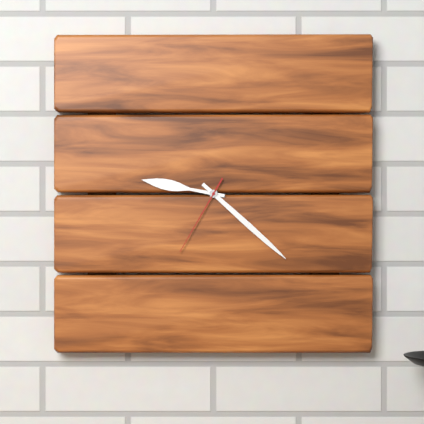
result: 9 h 22 min 35 s
